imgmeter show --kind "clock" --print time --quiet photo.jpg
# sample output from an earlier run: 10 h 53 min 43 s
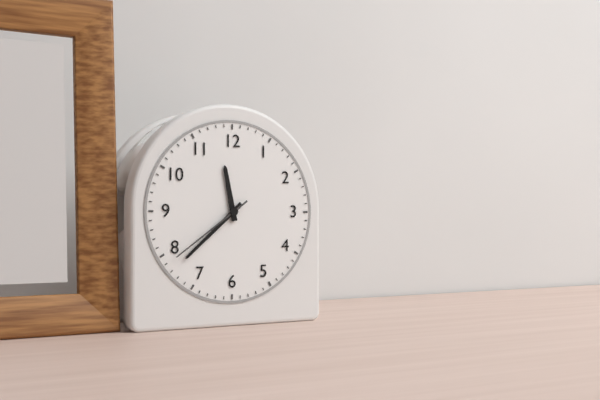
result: 11 h 38 min 39 s
